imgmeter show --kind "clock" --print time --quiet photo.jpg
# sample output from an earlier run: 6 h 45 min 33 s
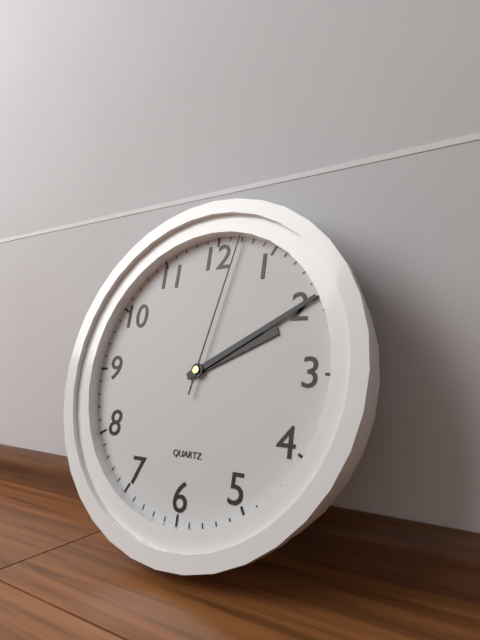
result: 2 h 10 min 02 s
